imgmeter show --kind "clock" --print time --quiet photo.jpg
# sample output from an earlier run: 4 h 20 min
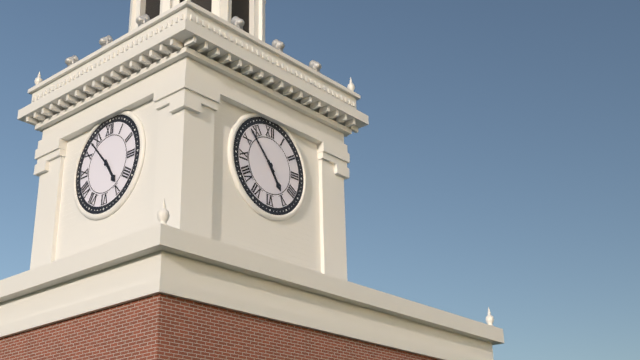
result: 4 h 53 min
